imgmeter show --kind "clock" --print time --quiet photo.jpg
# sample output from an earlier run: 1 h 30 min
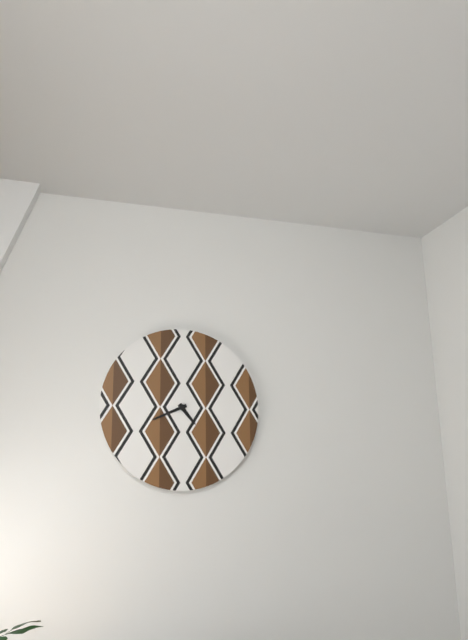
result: 4 h 41 min
